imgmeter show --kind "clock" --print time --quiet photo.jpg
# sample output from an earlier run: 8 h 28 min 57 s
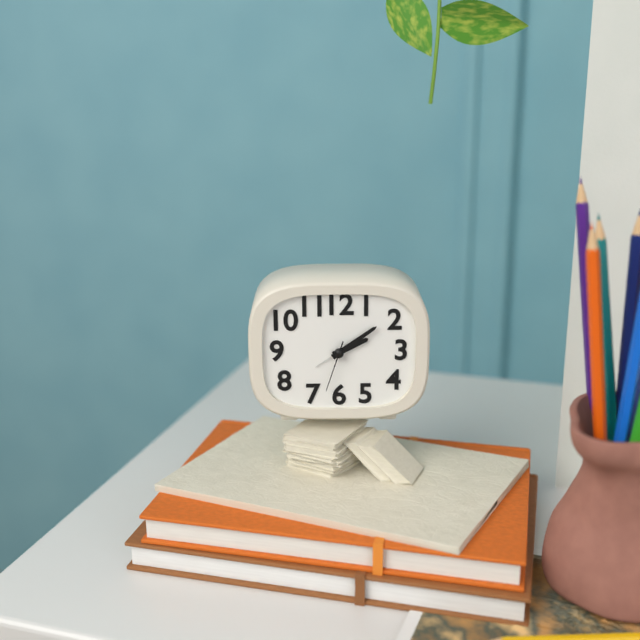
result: 2 h 09 min 33 s
